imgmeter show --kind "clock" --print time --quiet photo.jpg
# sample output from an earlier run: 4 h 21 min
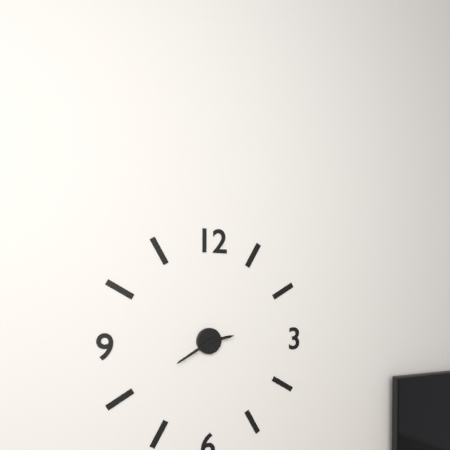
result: 2 h 40 min
